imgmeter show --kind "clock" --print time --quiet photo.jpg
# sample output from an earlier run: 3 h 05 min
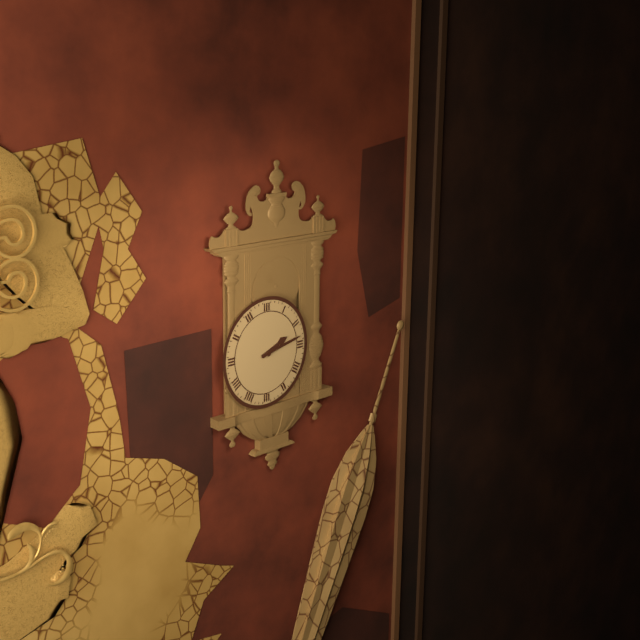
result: 2 h 13 min
